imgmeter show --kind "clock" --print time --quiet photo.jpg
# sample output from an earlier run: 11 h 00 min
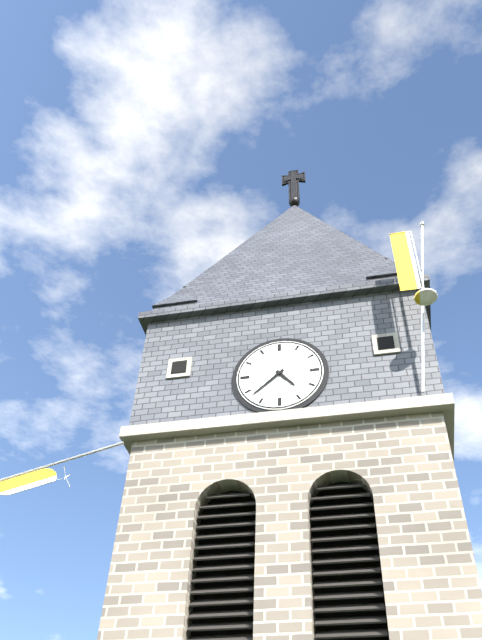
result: 4 h 38 min
